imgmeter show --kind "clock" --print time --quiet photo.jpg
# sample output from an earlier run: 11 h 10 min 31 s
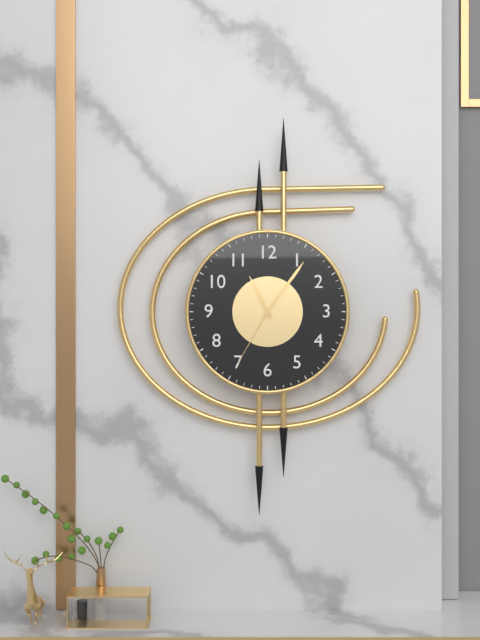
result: 11 h 06 min 35 s
